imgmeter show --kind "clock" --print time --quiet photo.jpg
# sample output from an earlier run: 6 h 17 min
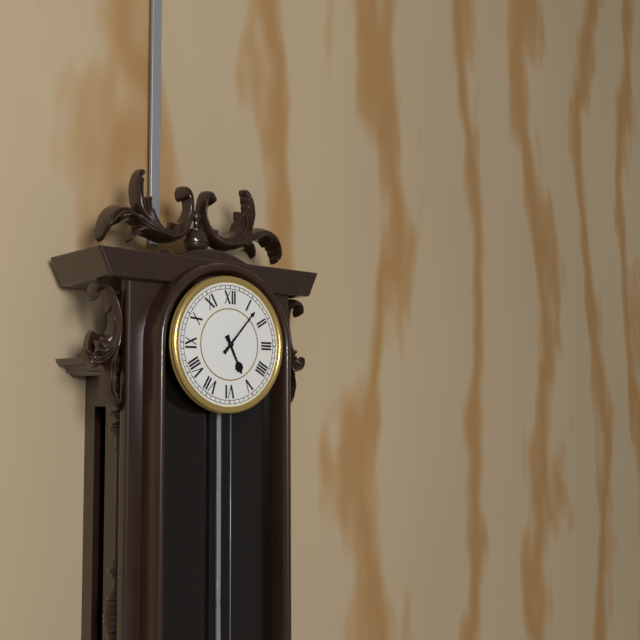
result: 5 h 07 min
